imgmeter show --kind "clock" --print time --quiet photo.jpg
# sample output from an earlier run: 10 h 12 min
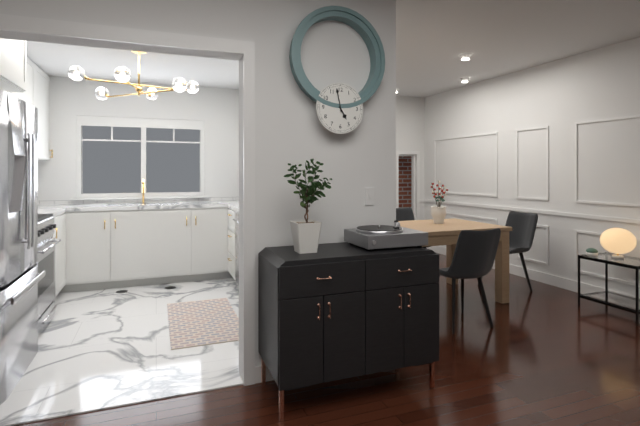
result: 4 h 58 min
